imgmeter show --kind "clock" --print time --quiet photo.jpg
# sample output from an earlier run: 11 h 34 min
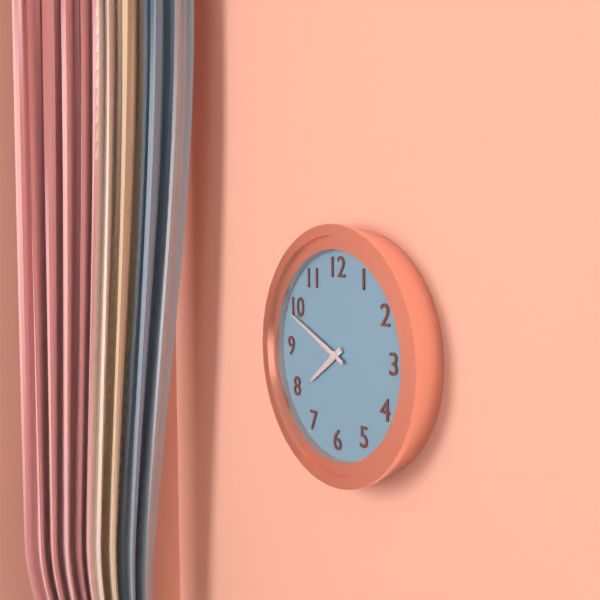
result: 7 h 49 min
